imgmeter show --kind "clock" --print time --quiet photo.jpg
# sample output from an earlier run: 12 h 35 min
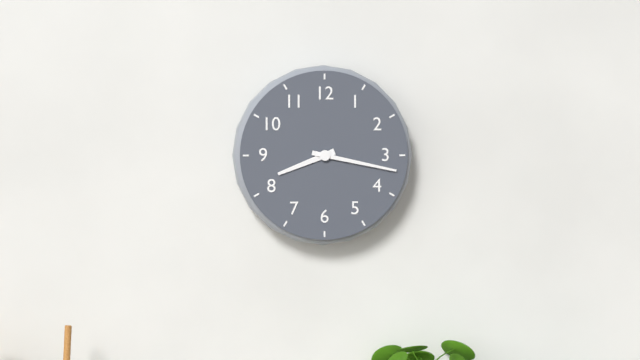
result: 8 h 17 min
